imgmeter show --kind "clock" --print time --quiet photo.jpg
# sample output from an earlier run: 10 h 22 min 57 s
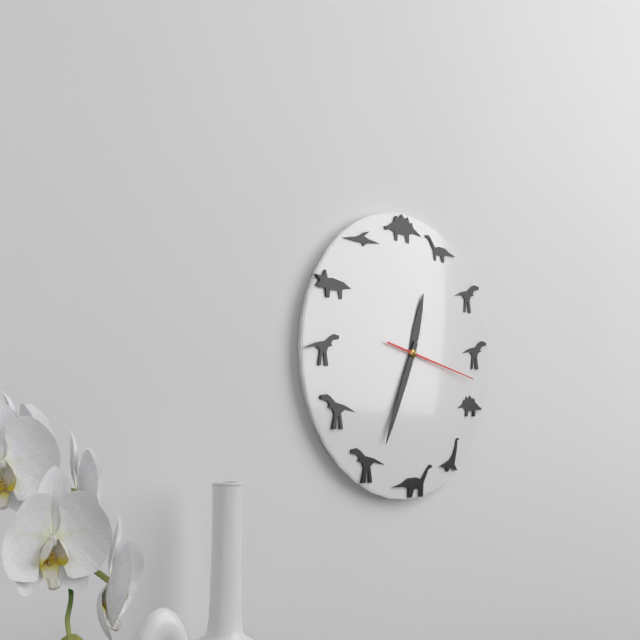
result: 12 h 34 min 17 s
